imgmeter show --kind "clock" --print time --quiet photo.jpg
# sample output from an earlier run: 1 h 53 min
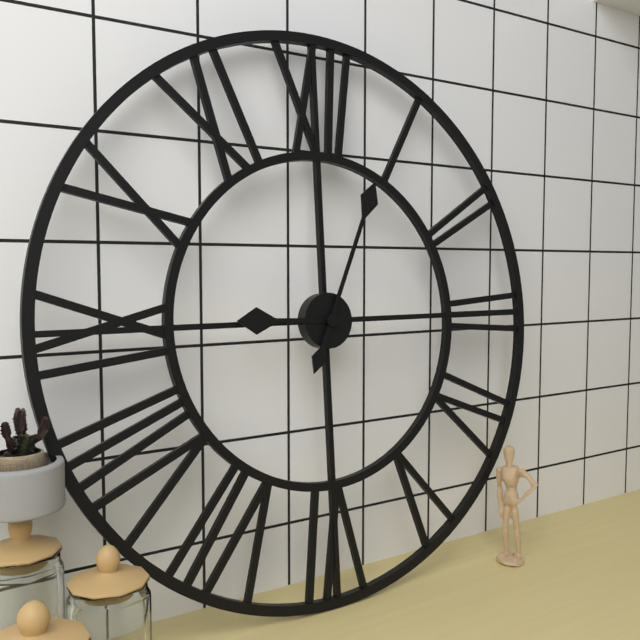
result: 9 h 04 min
